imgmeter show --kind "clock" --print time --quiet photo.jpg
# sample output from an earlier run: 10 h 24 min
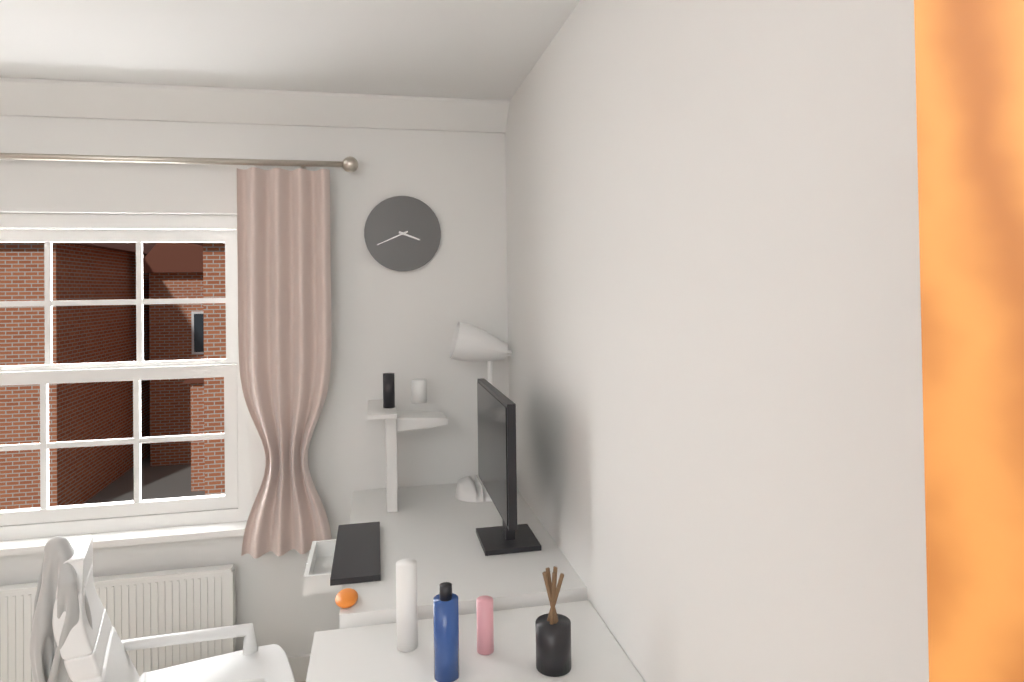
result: 3 h 41 min
